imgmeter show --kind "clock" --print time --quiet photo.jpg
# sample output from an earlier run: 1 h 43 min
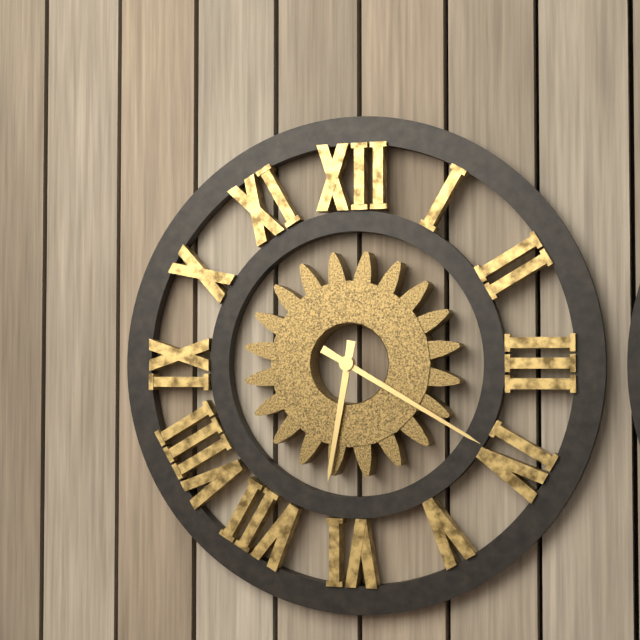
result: 6 h 20 min
